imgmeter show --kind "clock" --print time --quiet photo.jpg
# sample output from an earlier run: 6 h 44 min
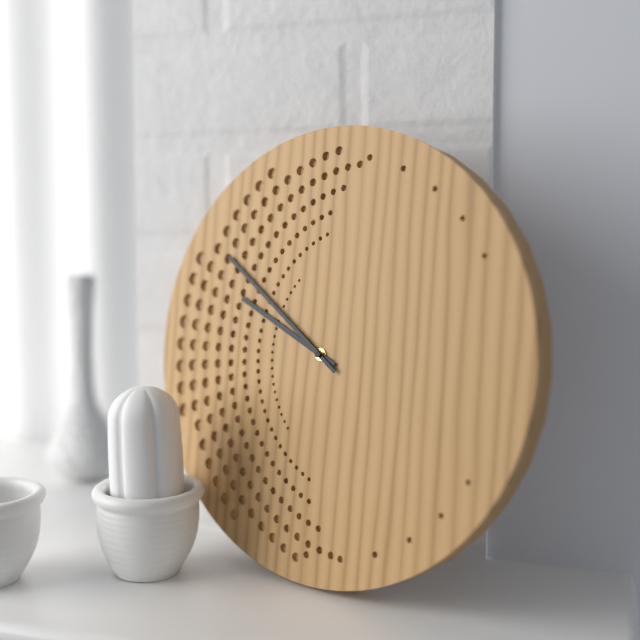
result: 9 h 51 min
